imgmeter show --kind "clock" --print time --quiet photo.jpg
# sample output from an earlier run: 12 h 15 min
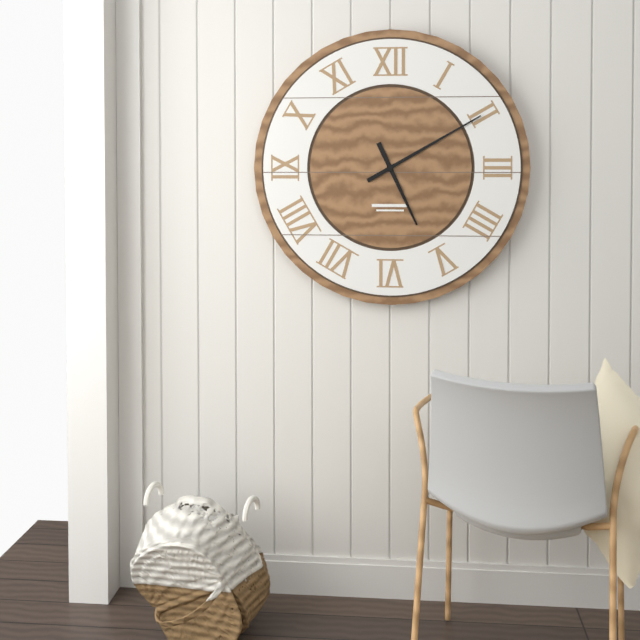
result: 5 h 10 min
